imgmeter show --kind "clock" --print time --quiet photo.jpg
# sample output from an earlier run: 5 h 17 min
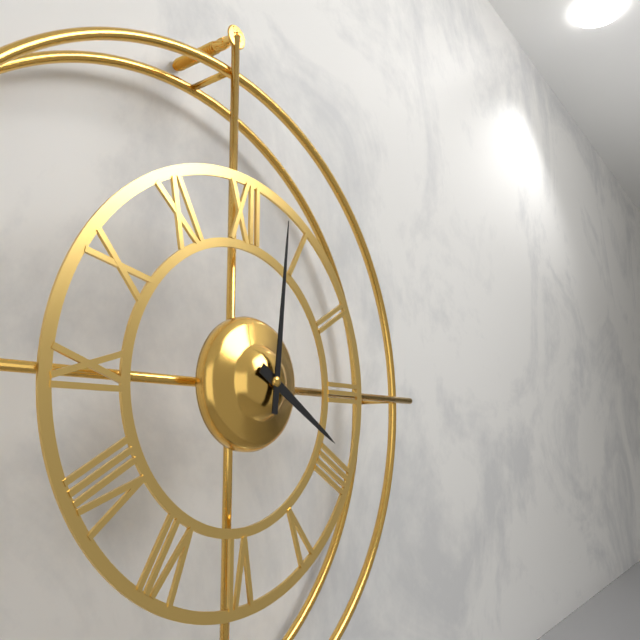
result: 4 h 01 min
